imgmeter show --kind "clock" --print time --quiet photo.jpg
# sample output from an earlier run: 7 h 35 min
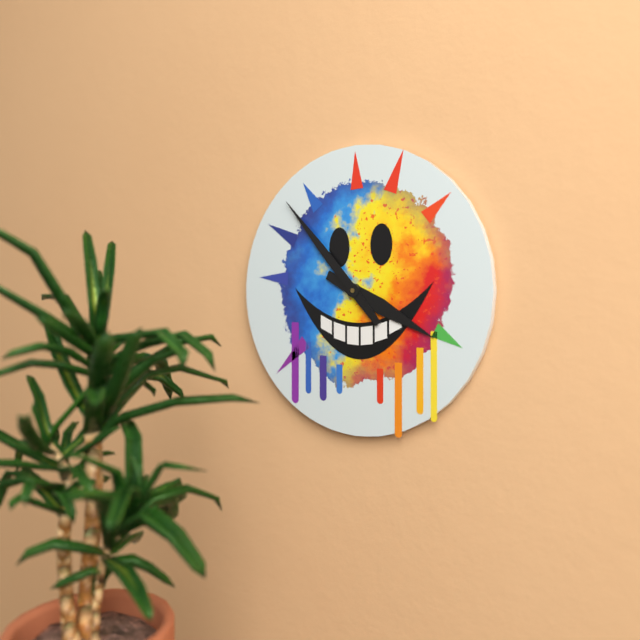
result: 3 h 53 min
